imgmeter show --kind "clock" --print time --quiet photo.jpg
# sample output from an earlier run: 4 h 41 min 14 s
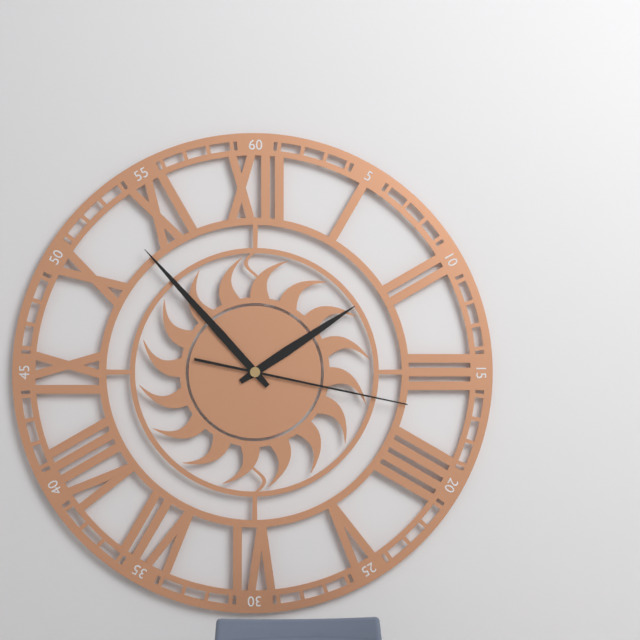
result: 1 h 53 min 17 s
